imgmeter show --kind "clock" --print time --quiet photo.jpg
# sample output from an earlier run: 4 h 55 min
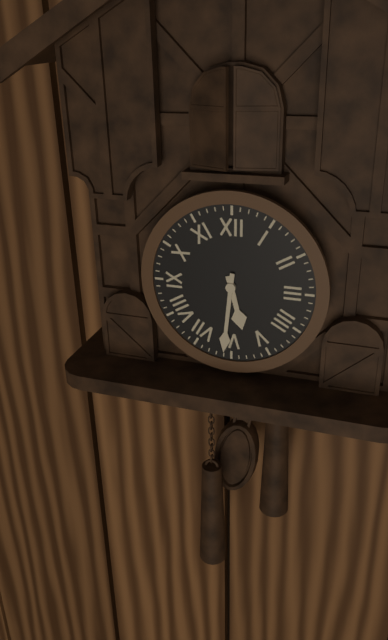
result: 5 h 31 min
